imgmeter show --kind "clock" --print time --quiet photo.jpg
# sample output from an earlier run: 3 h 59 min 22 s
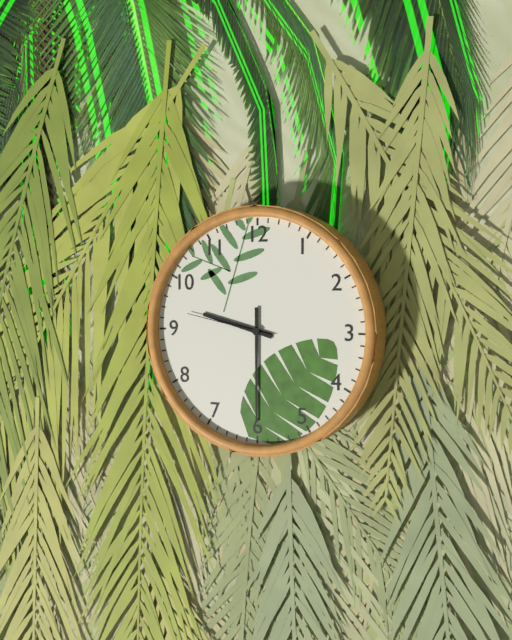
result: 9 h 30 min 47 s
